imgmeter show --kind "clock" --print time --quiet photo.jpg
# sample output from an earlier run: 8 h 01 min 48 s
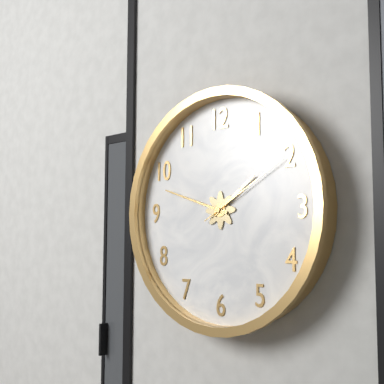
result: 1 h 48 min 10 s
